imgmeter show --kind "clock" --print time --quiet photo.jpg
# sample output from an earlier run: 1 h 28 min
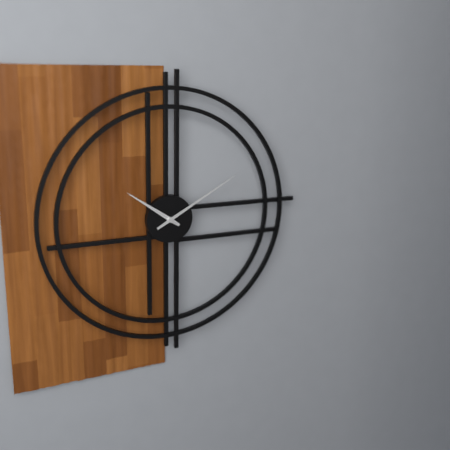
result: 10 h 10 min
